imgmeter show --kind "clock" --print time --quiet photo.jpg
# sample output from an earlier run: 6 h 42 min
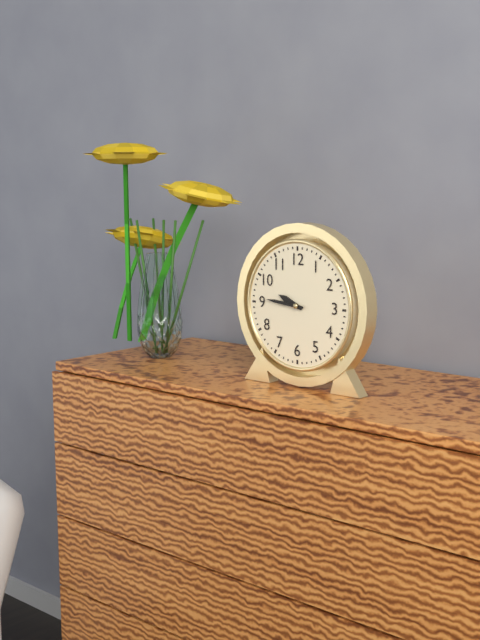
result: 9 h 46 min
